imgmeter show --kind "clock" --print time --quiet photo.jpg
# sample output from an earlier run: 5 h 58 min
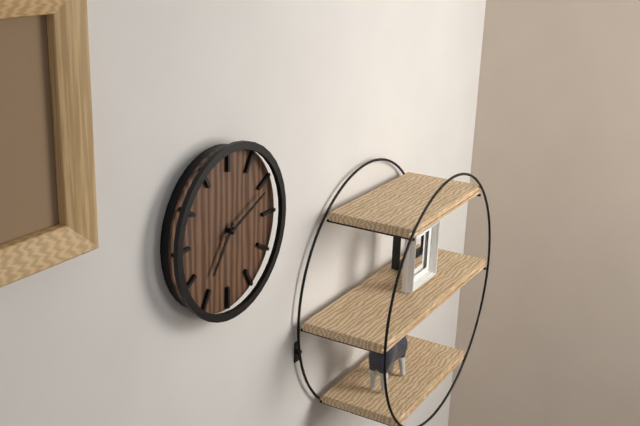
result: 7 h 11 min
